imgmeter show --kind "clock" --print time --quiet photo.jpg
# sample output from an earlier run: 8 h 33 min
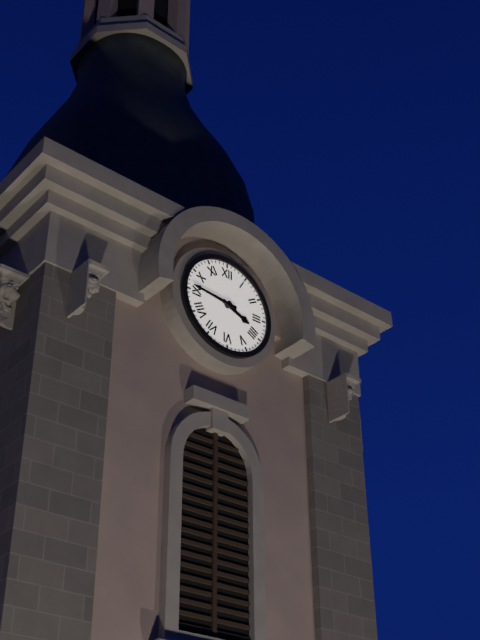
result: 3 h 46 min
